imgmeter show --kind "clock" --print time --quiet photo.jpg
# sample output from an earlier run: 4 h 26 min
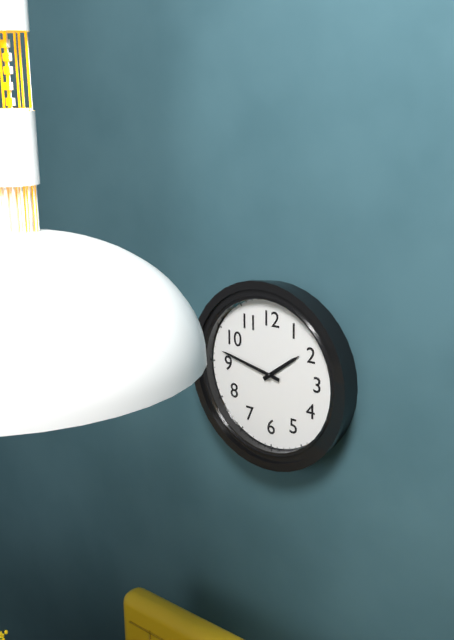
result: 1 h 47 min
